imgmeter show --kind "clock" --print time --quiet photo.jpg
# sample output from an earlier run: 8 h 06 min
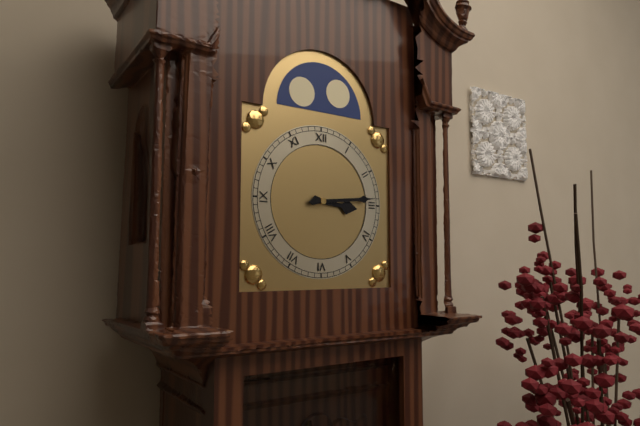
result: 3 h 14 min
